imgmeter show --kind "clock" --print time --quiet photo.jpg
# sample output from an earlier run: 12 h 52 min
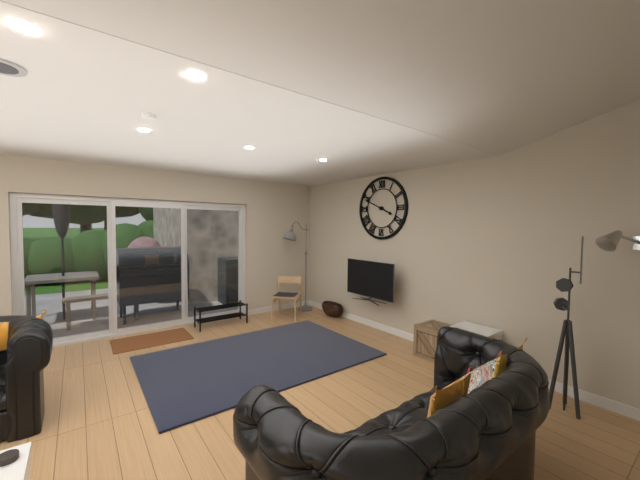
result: 3 h 49 min
